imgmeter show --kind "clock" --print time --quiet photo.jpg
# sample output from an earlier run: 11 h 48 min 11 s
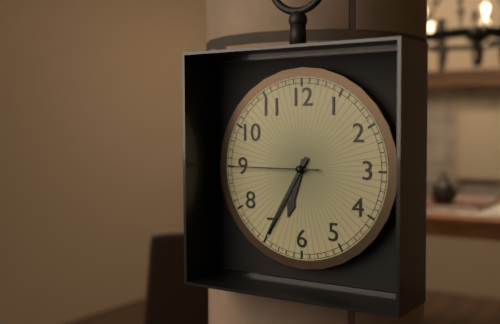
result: 6 h 35 min 45 s
